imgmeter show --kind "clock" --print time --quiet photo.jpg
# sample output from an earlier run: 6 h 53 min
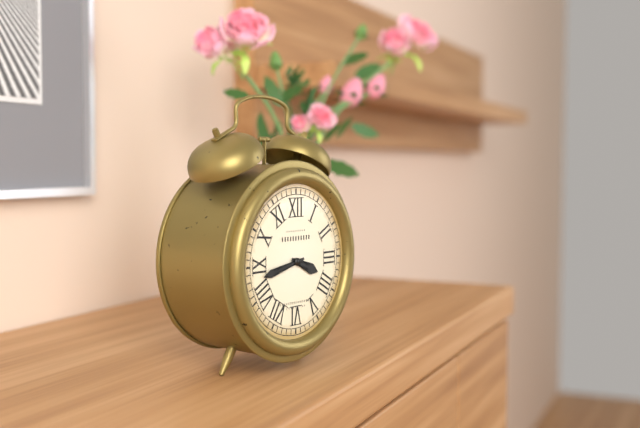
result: 3 h 43 min
